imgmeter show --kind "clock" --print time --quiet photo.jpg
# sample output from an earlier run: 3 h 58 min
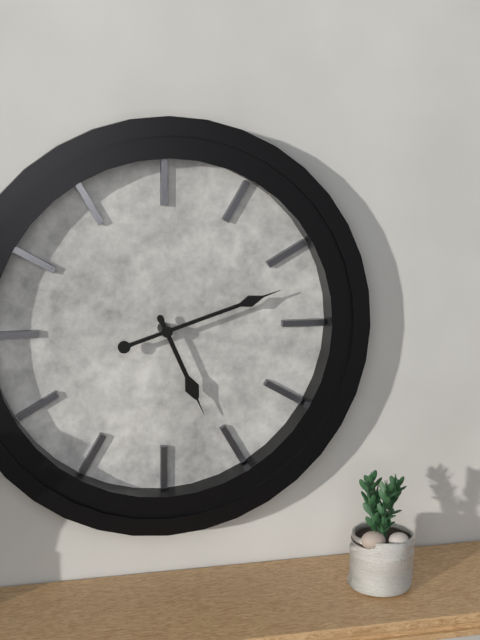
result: 5 h 12 min
